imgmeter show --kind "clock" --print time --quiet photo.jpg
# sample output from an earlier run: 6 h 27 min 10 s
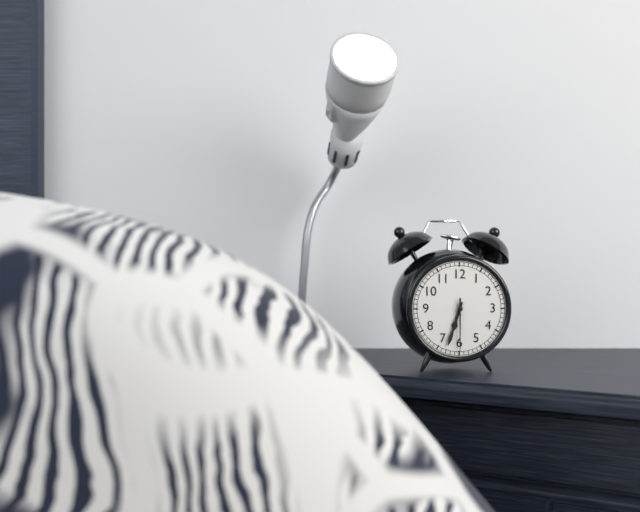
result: 6 h 33 min 30 s
